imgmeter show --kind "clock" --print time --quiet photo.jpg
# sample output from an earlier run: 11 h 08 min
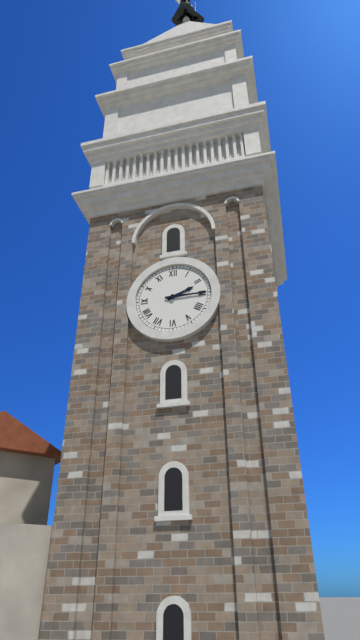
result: 2 h 15 min
